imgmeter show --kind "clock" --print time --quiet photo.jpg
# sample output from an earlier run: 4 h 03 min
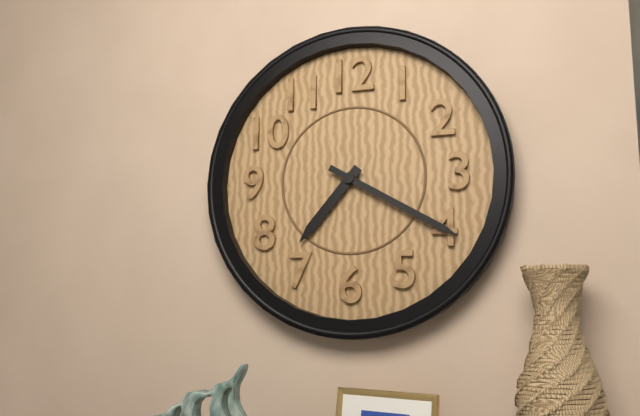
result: 7 h 20 min
